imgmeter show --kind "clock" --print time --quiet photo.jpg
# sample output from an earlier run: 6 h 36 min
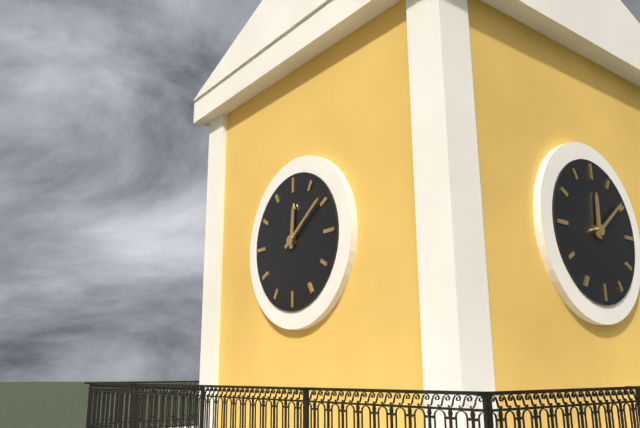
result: 12 h 09 min
